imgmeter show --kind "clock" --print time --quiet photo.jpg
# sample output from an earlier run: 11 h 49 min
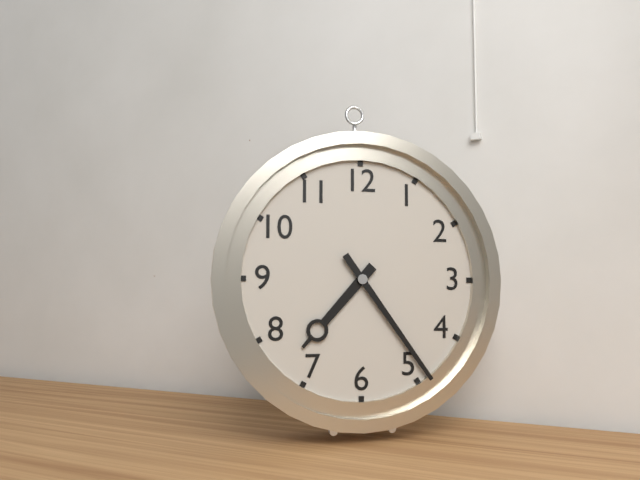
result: 7 h 24 min
